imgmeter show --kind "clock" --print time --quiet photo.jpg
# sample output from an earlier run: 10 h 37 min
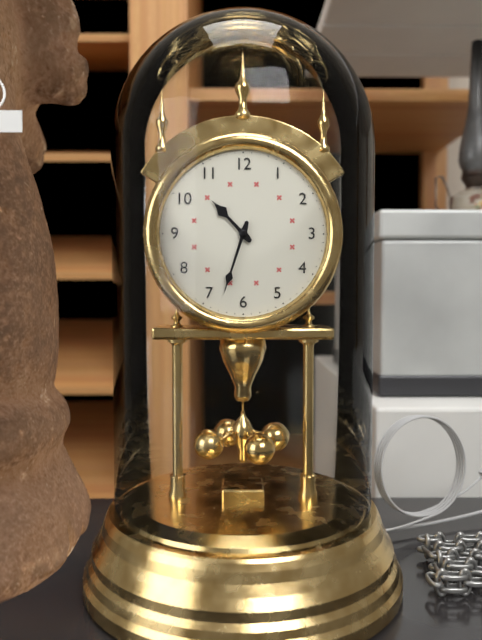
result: 10 h 33 min
